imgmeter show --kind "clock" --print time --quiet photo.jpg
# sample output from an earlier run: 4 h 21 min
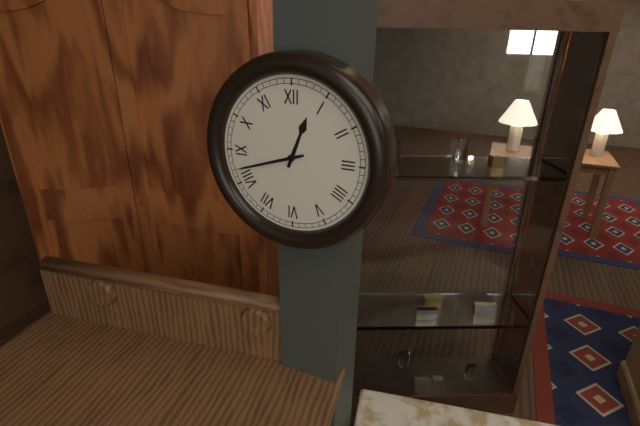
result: 12 h 42 min
